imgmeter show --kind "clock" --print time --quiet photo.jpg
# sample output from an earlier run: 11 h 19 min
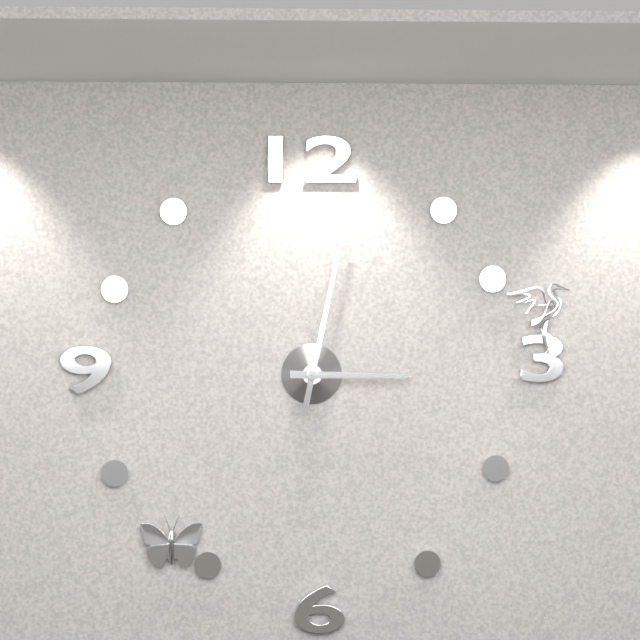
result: 3 h 02 min
